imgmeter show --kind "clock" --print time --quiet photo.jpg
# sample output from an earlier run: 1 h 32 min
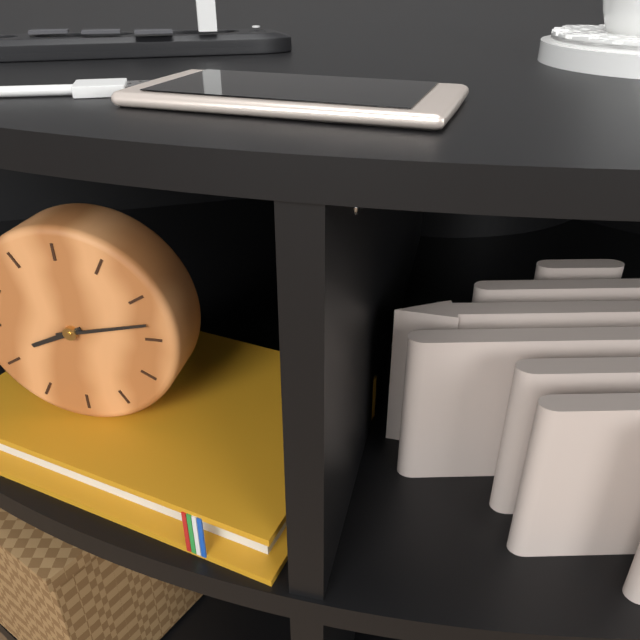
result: 8 h 13 min
